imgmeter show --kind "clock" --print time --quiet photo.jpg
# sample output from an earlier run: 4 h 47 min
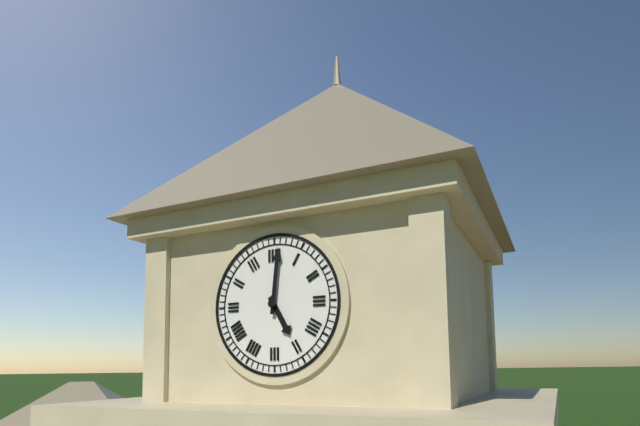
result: 5 h 01 min
